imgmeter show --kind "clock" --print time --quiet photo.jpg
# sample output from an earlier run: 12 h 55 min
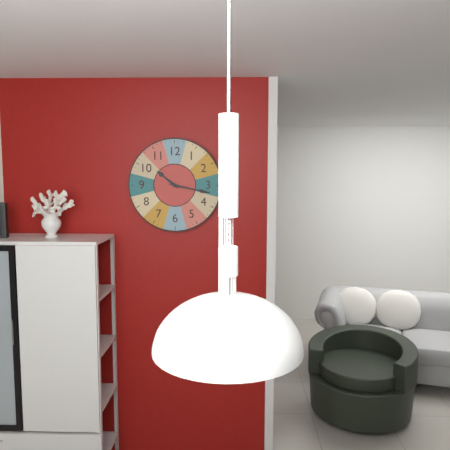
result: 10 h 17 min
